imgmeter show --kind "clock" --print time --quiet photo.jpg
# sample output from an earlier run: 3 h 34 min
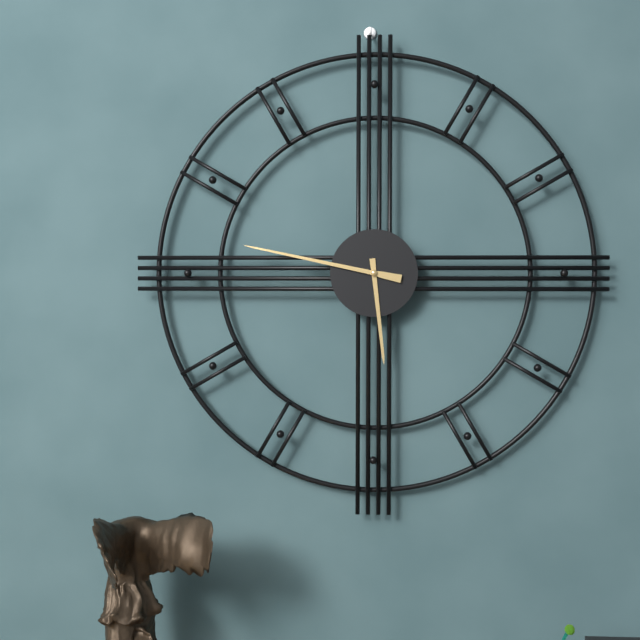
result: 5 h 47 min
